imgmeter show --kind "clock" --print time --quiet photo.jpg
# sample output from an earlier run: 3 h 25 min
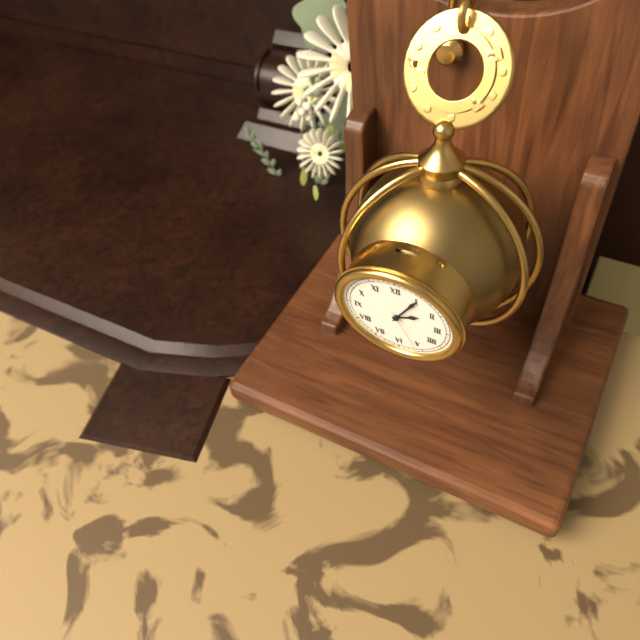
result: 2 h 05 min
